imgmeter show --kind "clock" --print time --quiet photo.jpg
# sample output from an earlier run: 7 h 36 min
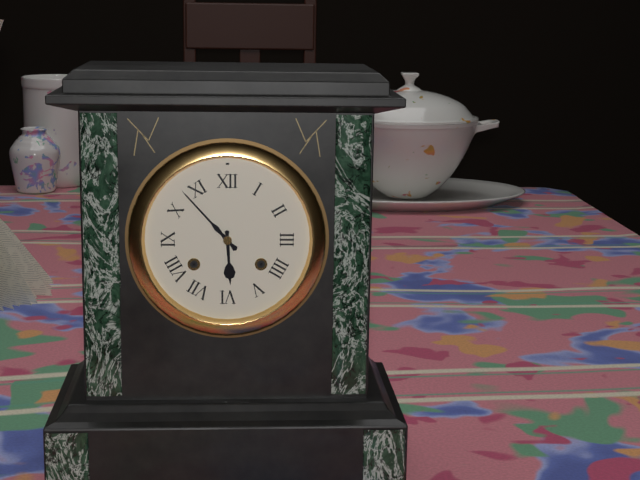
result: 5 h 53 min
